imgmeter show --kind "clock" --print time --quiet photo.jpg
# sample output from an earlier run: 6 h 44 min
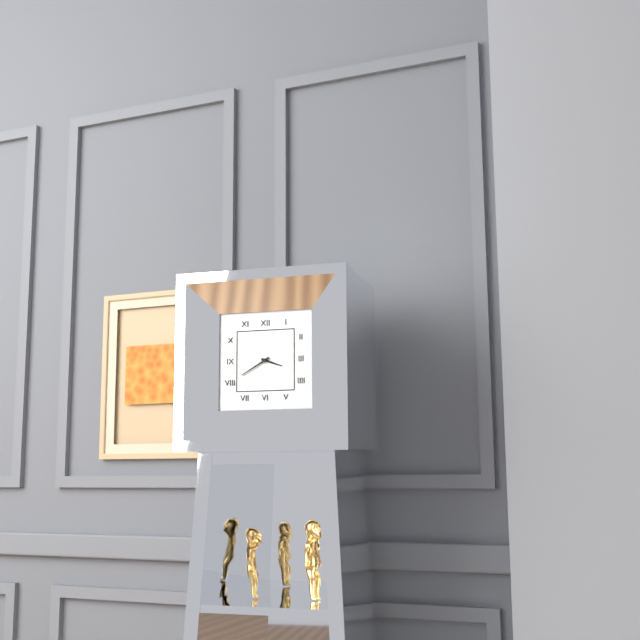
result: 3 h 40 min
